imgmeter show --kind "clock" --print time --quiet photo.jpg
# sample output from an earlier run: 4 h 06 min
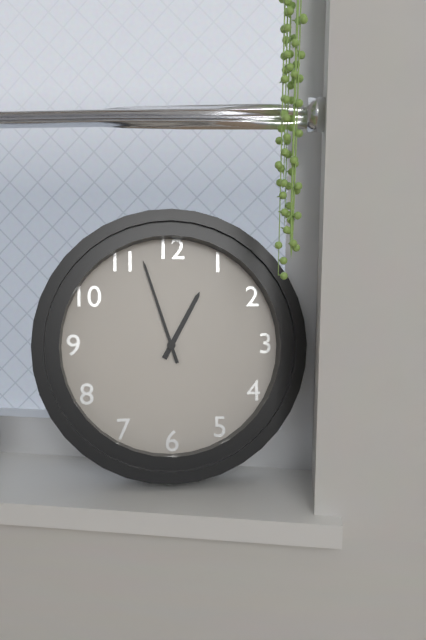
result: 12 h 57 min
